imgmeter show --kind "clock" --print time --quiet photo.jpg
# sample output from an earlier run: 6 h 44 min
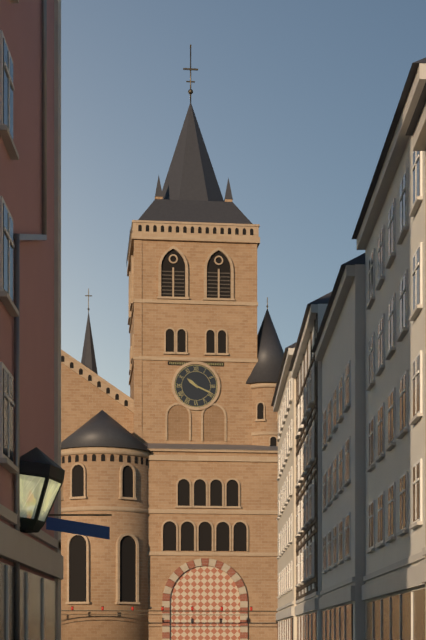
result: 10 h 19 min
